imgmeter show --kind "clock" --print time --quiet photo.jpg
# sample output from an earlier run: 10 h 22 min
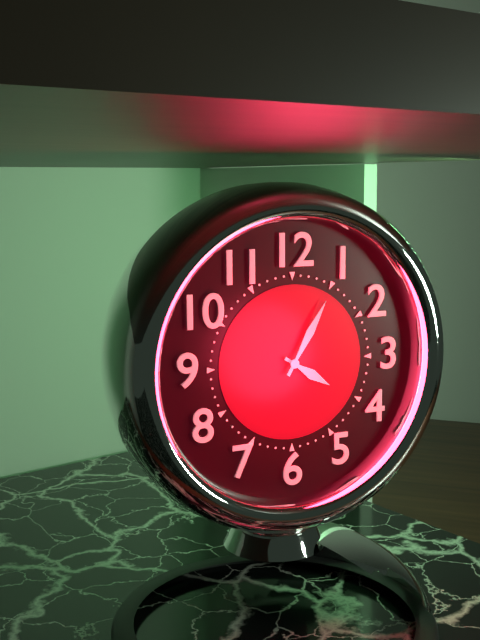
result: 4 h 05 min
